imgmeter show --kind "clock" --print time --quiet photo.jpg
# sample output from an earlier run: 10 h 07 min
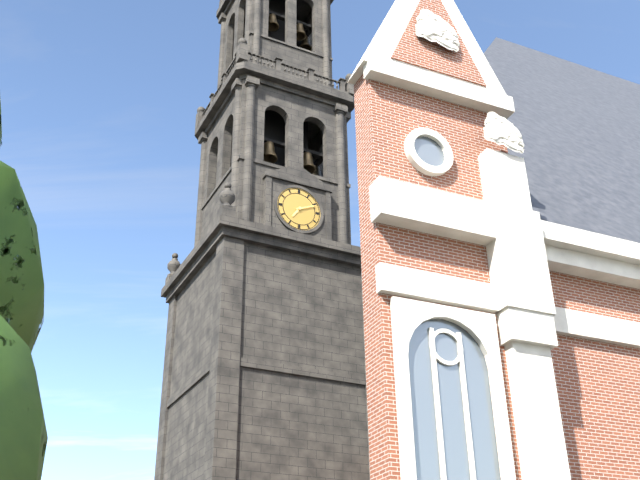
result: 7 h 11 min
